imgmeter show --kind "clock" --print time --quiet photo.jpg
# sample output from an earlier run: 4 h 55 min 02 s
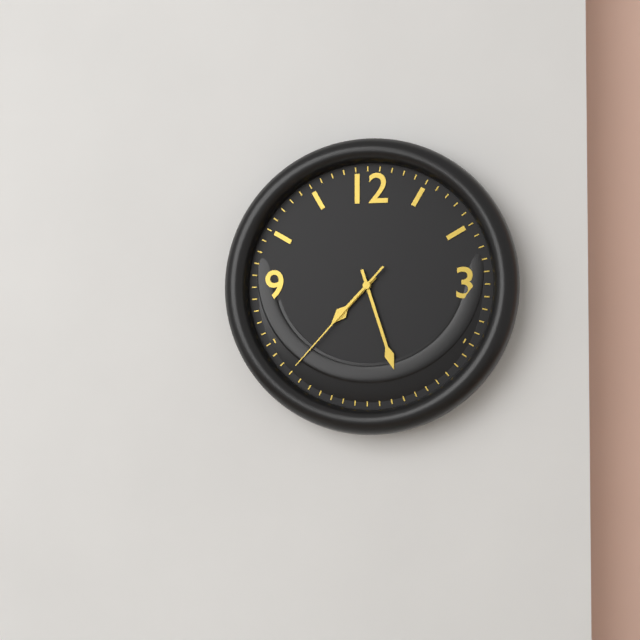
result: 7 h 27 min 37 s
